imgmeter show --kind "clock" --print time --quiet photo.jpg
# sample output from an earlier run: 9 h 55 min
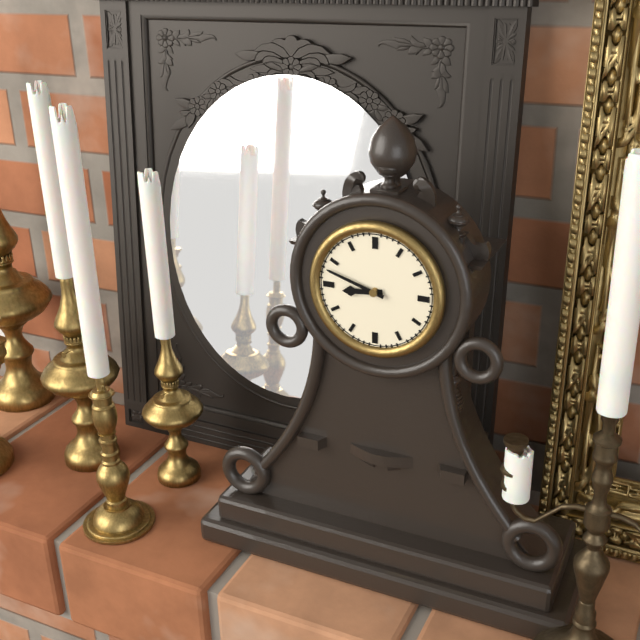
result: 8 h 48 min
